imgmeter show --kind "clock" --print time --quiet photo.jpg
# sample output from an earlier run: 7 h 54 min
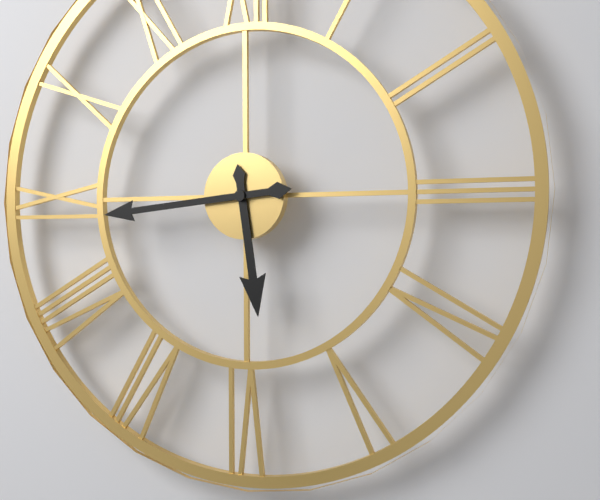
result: 5 h 44 min
